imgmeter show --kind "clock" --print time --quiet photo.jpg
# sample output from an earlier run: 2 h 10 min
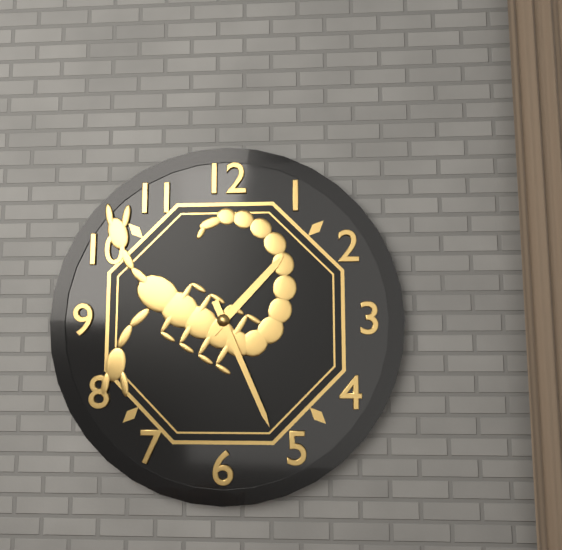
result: 1 h 26 min
